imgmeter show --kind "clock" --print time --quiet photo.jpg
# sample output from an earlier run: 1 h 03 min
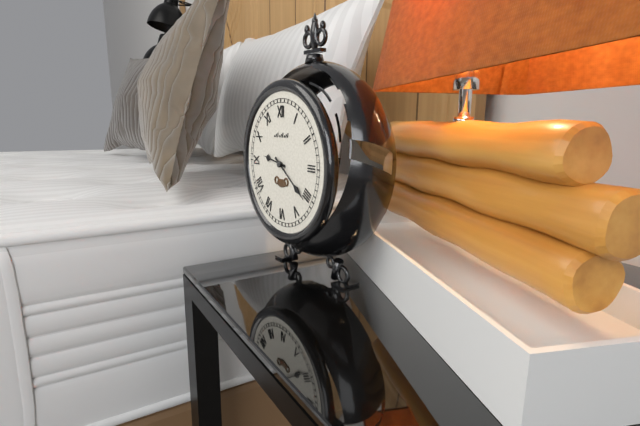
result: 9 h 21 min
